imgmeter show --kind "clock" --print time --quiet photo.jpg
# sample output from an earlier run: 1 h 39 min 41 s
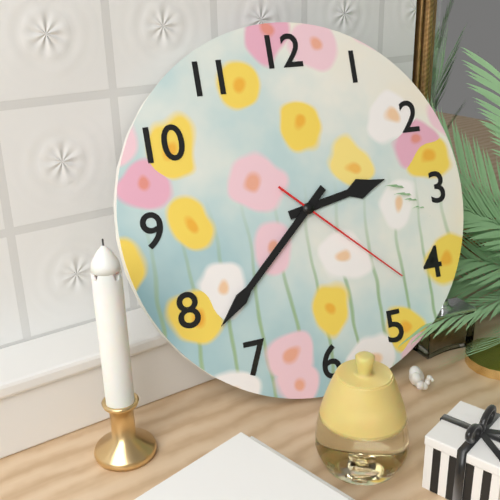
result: 2 h 38 min 22 s
